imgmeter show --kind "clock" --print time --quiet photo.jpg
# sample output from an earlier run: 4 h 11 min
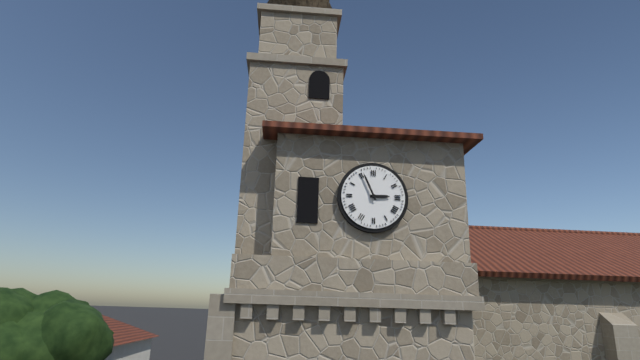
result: 2 h 56 min
